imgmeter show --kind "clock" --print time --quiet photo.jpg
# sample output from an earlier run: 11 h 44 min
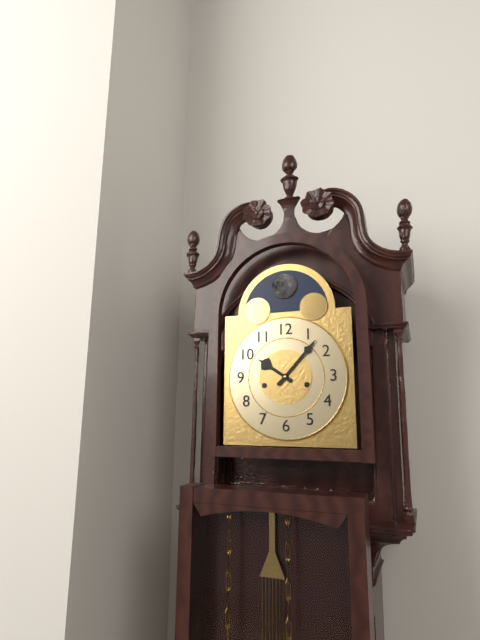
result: 10 h 07 min
